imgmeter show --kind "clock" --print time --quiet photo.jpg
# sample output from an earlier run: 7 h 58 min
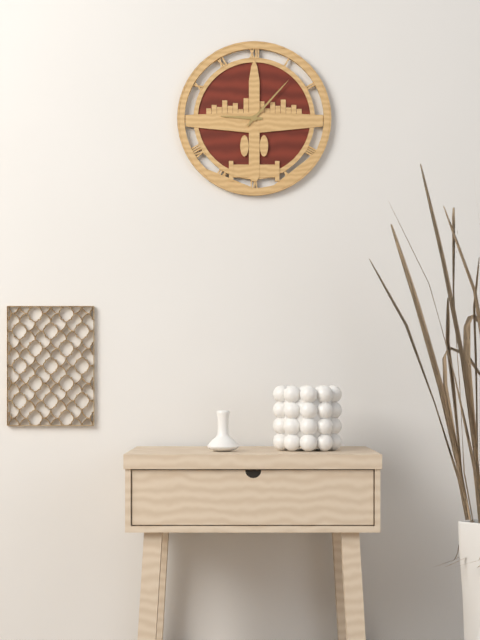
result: 9 h 07 min
